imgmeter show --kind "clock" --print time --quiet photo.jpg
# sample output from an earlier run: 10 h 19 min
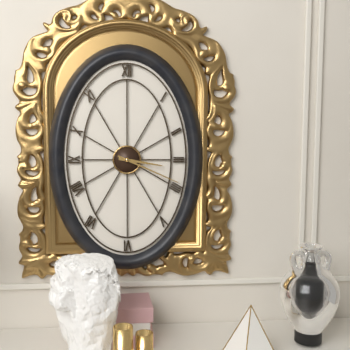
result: 3 h 19 min
